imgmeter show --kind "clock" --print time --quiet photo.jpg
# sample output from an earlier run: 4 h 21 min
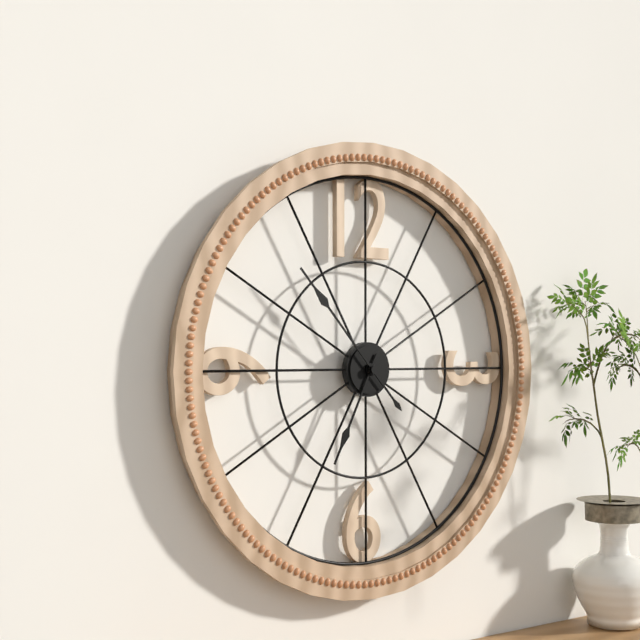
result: 6 h 53 min
